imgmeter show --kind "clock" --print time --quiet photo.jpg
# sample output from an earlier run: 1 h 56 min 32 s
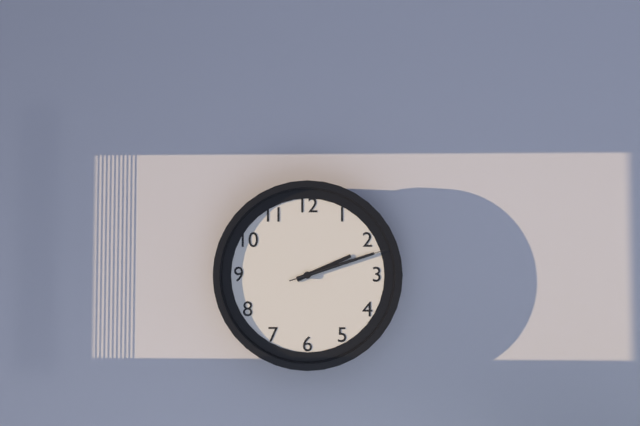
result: 2 h 12 min 12 s
